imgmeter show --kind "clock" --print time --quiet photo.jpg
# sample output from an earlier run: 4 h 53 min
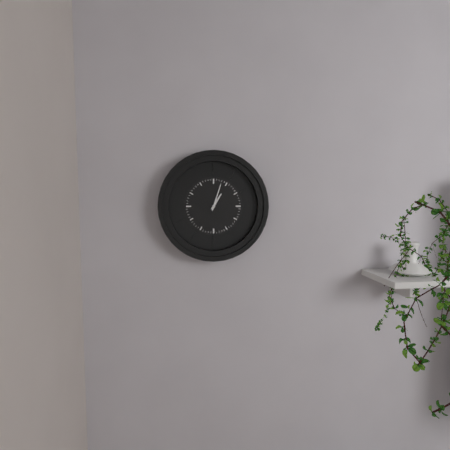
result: 1 h 03 min
